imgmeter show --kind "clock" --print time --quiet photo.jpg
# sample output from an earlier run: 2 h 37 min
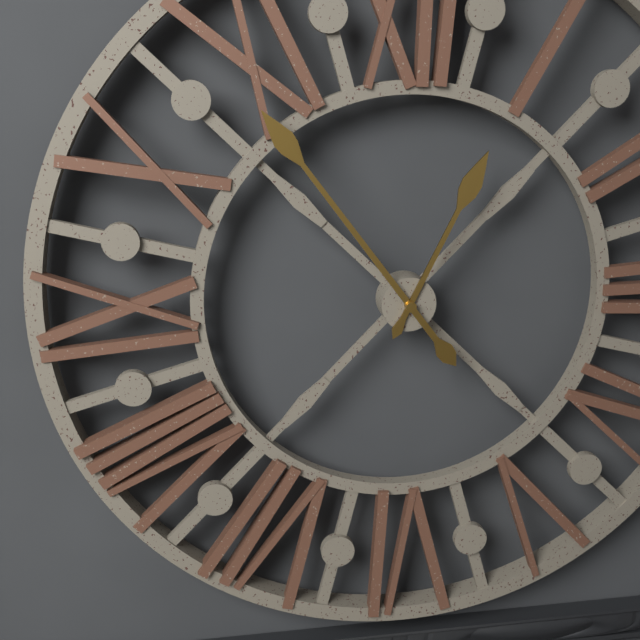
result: 12 h 54 min
